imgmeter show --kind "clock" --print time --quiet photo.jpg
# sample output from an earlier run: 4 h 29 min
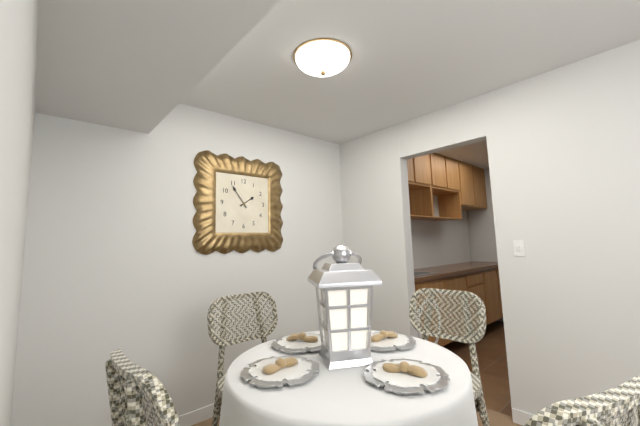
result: 1 h 54 min
